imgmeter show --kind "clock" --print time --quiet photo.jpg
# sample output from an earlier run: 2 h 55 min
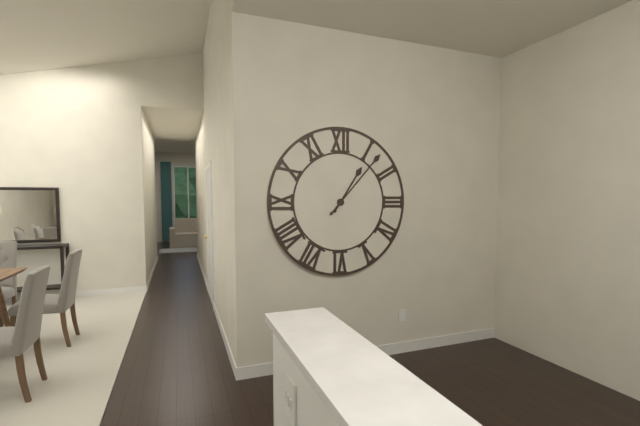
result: 1 h 07 min
